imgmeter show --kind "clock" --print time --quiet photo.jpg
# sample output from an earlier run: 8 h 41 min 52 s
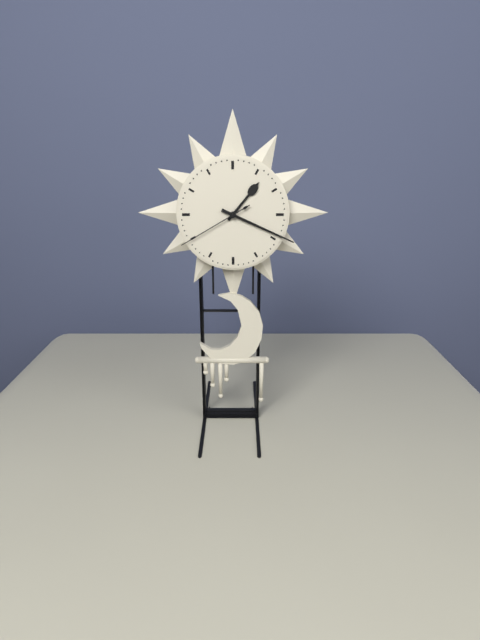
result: 1 h 19 min 40 s
